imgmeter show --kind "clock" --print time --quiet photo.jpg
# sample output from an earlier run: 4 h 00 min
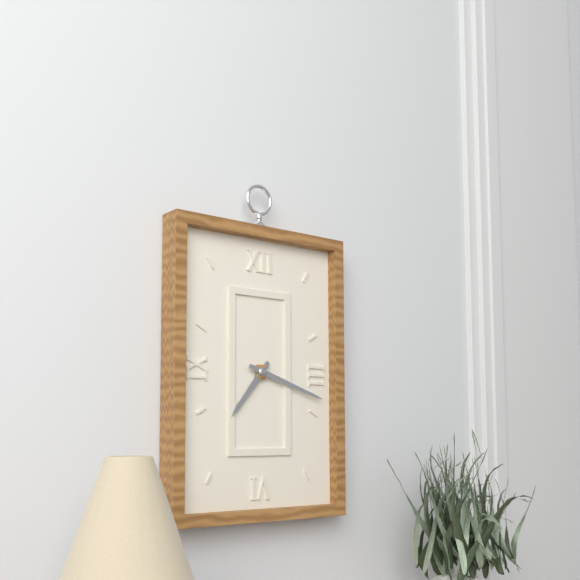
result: 7 h 18 min
